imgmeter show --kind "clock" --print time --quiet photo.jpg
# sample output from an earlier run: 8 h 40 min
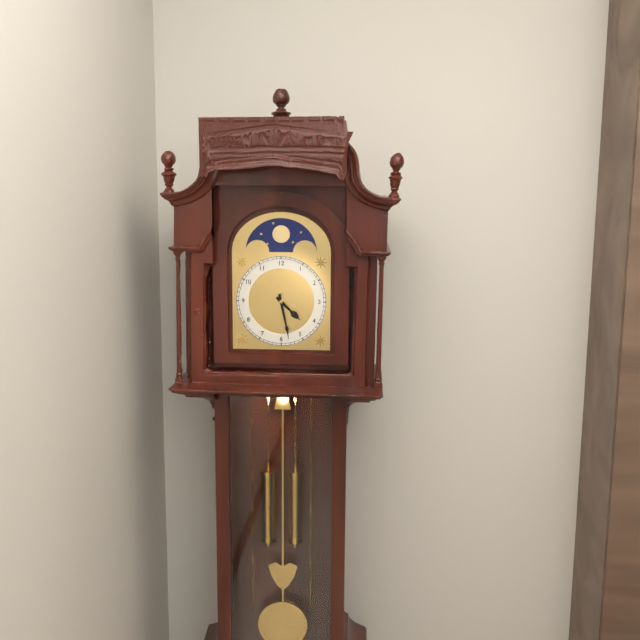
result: 4 h 28 min
